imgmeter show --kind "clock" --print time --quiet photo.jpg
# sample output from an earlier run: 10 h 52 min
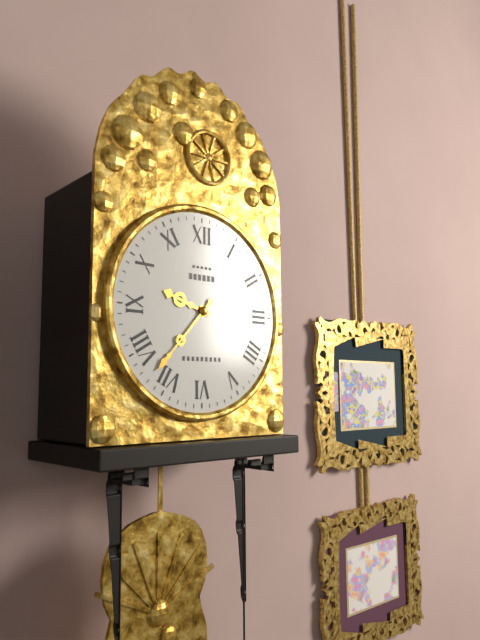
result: 9 h 37 min
